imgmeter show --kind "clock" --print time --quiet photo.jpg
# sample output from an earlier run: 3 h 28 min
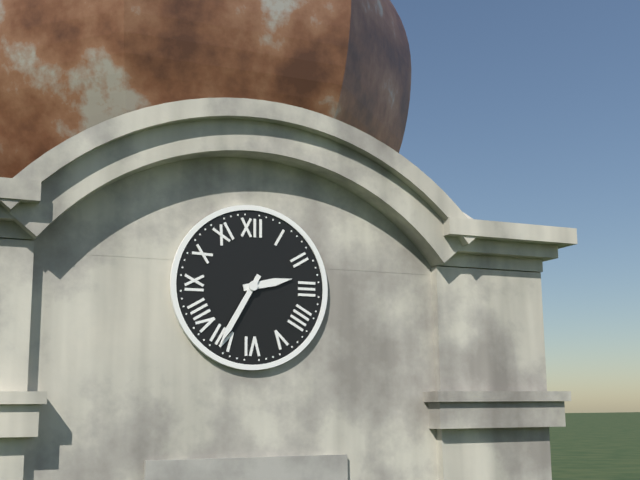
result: 2 h 35 min
